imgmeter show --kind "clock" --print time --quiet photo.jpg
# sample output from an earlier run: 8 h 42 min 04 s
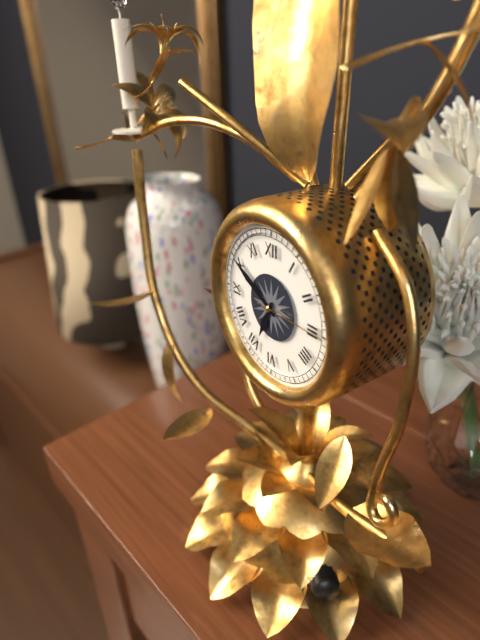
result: 6 h 50 min 15 s
